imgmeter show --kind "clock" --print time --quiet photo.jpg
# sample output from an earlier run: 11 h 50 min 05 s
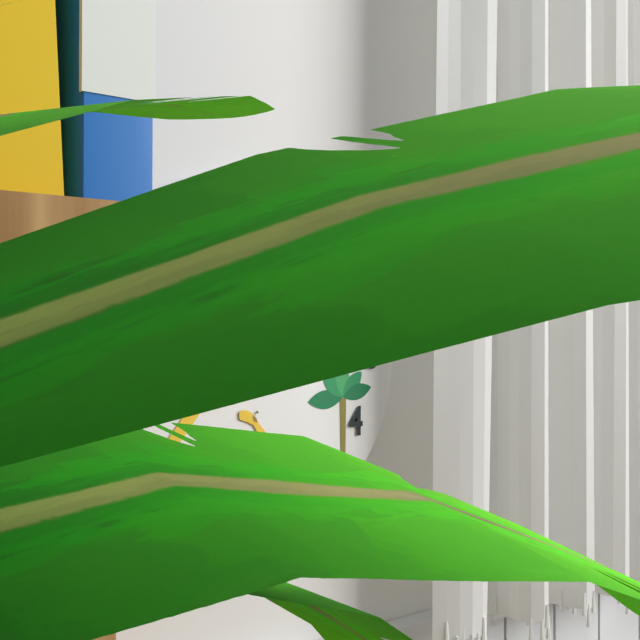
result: 2 h 16 min 53 s
